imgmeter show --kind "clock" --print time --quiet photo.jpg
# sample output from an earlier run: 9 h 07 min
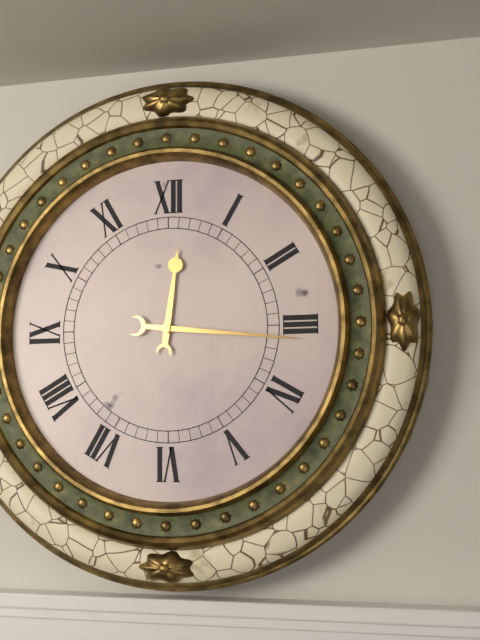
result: 12 h 16 min
